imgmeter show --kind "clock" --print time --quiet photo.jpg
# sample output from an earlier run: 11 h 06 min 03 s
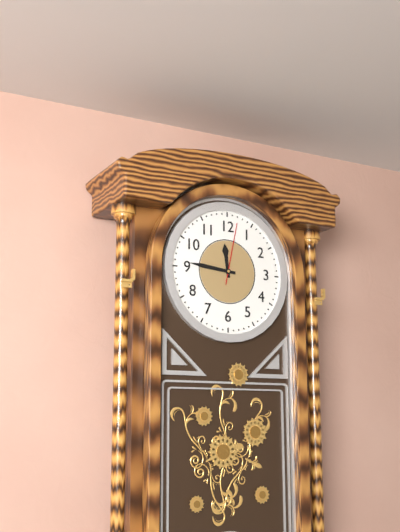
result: 11 h 46 min 02 s
